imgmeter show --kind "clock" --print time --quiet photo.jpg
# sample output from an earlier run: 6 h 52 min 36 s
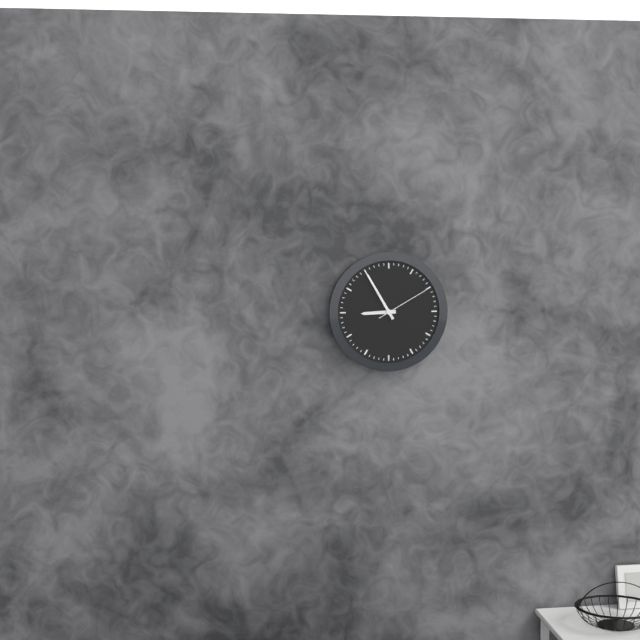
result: 8 h 55 min 10 s
